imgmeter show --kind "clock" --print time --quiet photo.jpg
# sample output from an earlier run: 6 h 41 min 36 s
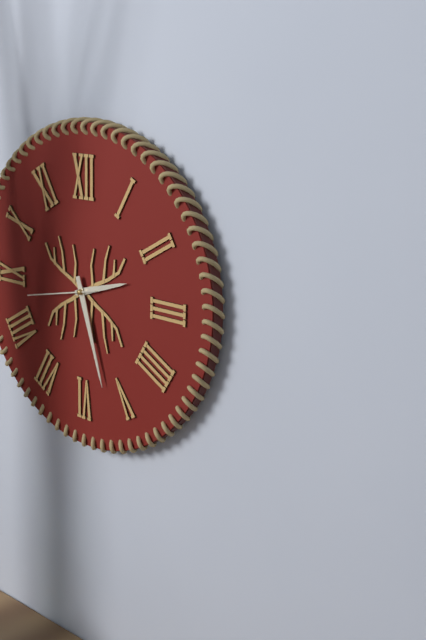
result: 2 h 27 min 43 s
